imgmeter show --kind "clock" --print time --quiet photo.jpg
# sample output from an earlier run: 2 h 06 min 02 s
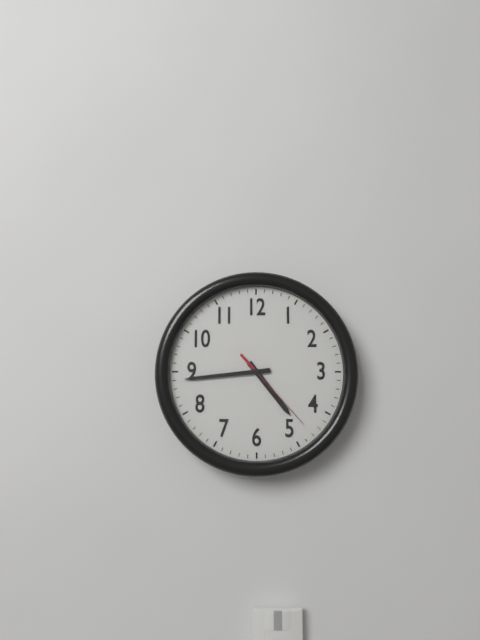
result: 4 h 44 min 23 s
